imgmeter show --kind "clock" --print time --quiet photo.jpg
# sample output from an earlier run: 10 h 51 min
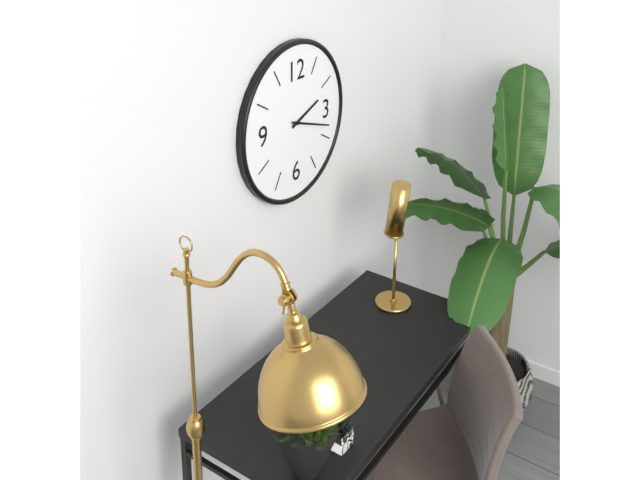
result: 2 h 18 min
